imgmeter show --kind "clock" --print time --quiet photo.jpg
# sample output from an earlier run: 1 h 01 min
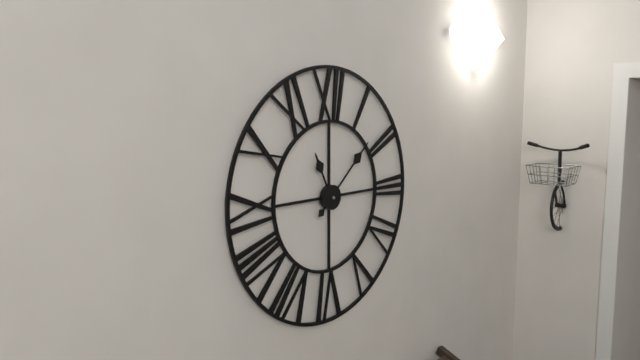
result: 11 h 08 min
